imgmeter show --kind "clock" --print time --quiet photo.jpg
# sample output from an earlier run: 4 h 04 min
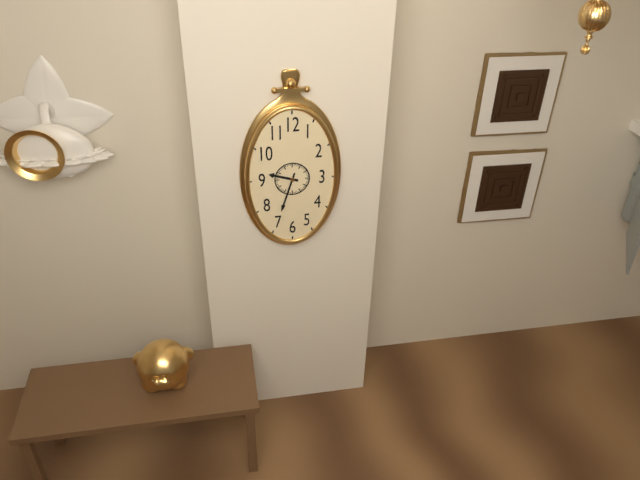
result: 9 h 33 min
